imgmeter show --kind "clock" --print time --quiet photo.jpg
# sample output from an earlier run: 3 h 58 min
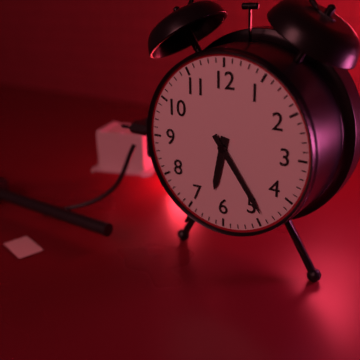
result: 6 h 24 min
